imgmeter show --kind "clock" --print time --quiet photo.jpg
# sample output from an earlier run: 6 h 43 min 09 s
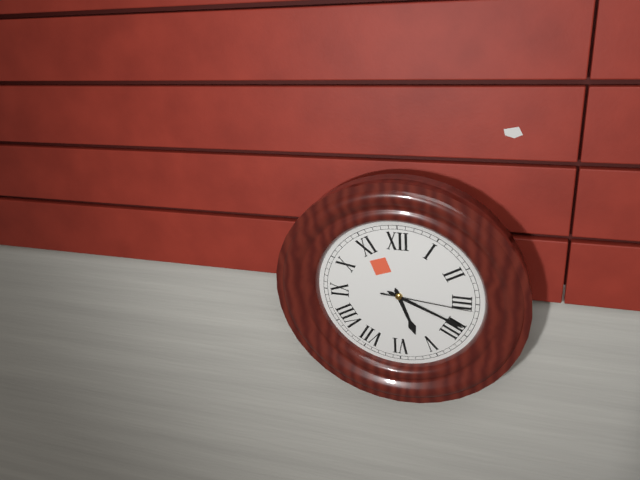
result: 5 h 19 min 16 s
